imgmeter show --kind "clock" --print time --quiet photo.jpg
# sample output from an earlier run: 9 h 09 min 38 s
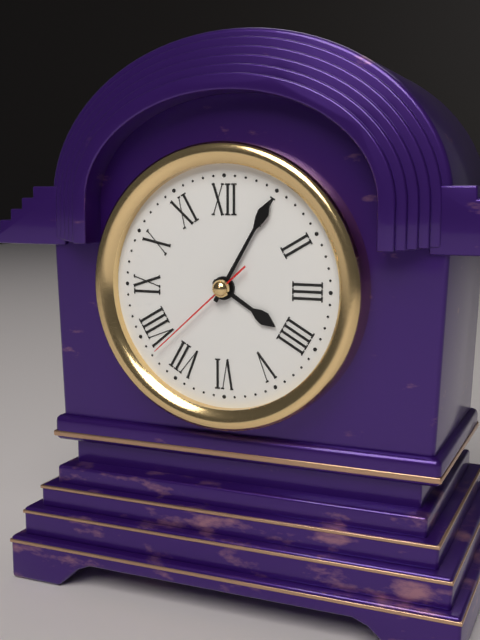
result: 4 h 05 min 38 s
